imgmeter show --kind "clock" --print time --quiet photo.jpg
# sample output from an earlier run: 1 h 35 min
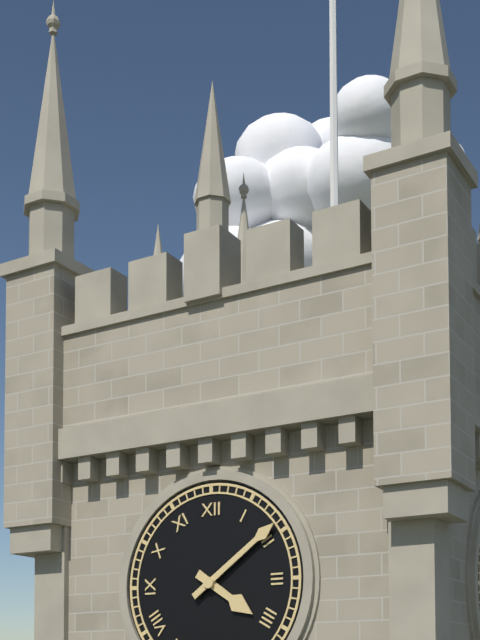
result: 4 h 09 min
